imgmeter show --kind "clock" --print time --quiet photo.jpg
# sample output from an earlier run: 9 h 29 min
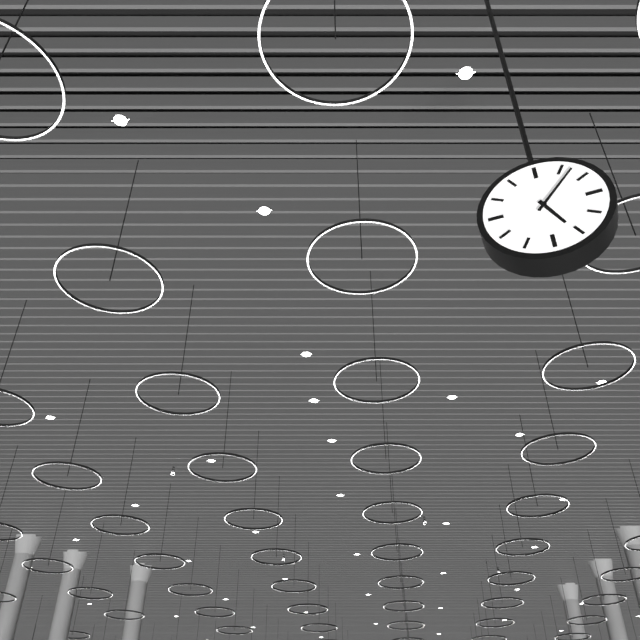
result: 5 h 07 min
